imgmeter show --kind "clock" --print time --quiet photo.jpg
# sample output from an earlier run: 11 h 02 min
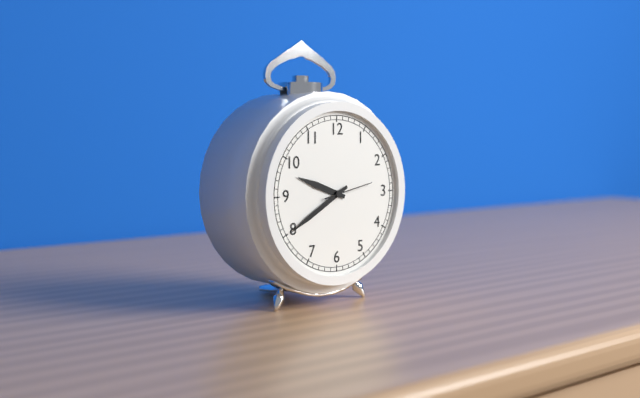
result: 9 h 40 min
